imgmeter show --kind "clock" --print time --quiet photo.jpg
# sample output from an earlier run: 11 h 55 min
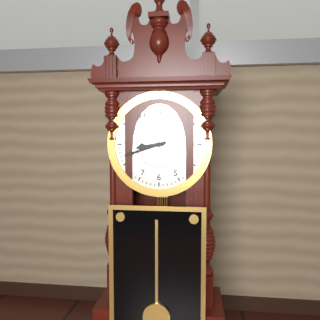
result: 8 h 42 min
